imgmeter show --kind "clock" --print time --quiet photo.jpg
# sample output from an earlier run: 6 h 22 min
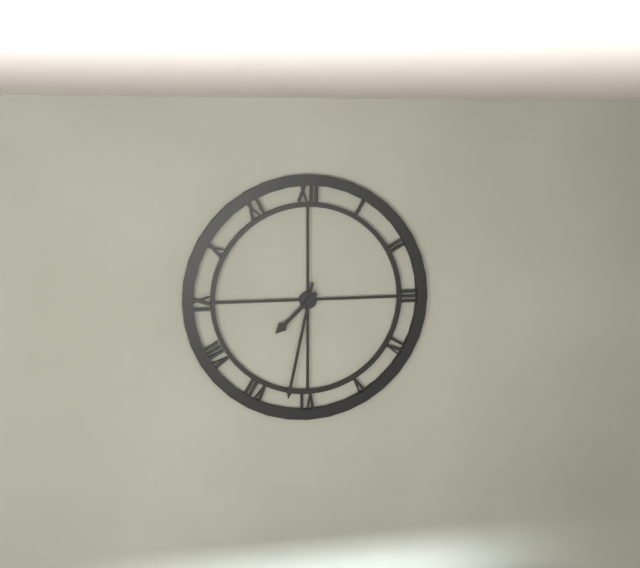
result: 7 h 32 min
